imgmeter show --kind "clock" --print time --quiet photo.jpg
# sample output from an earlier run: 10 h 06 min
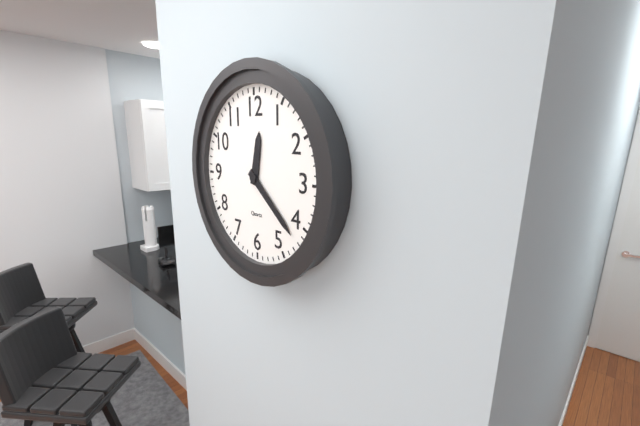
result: 12 h 22 min
